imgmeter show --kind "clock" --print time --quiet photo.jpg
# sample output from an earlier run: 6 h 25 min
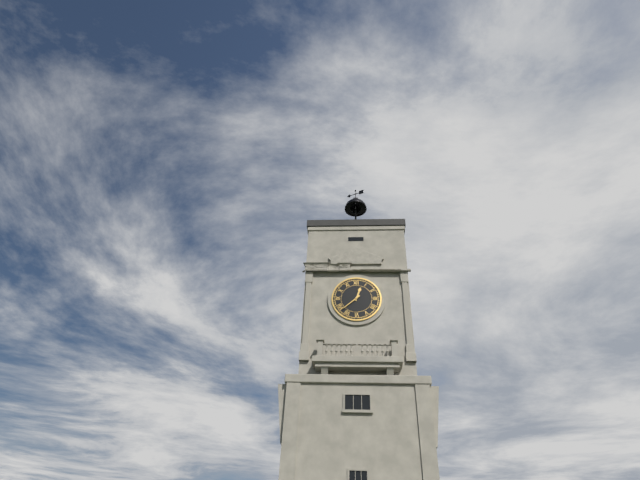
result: 12 h 38 min
